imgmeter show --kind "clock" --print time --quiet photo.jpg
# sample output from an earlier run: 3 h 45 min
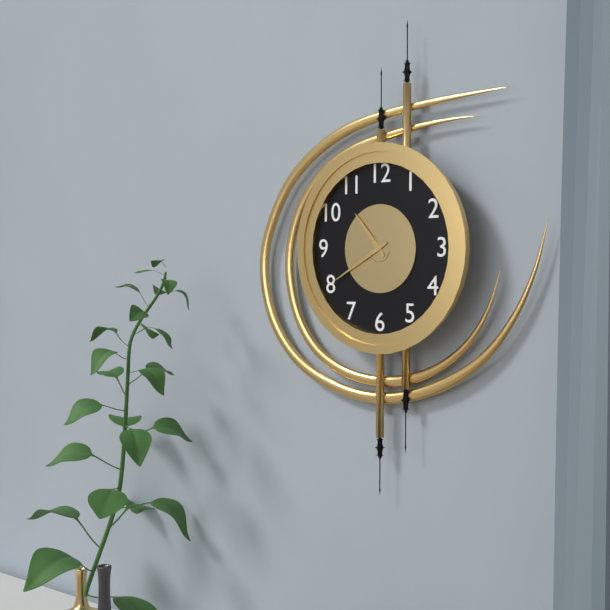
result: 10 h 40 min
